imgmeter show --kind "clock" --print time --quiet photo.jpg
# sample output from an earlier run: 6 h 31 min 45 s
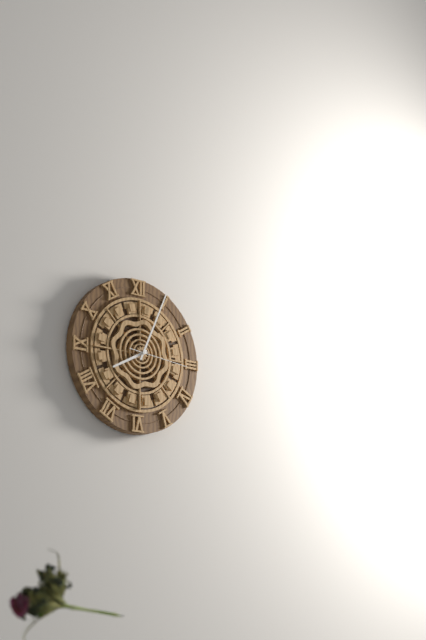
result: 8 h 04 min 16 s
